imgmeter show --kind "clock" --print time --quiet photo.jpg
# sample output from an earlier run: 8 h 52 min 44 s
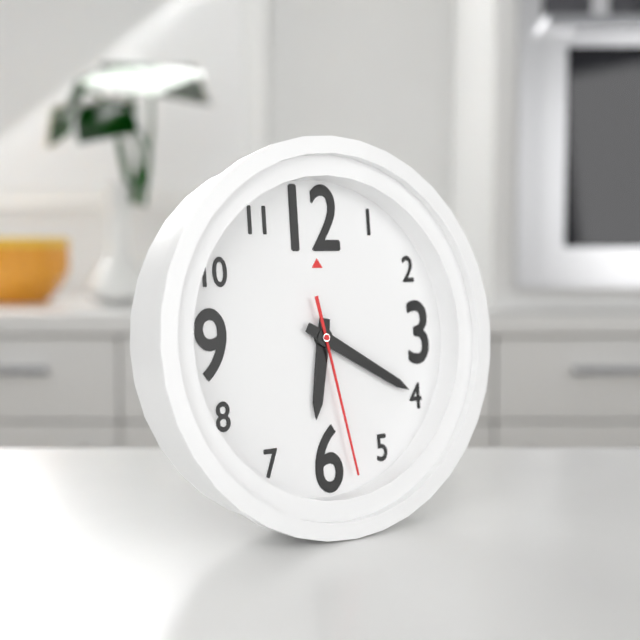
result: 6 h 20 min 28 s
